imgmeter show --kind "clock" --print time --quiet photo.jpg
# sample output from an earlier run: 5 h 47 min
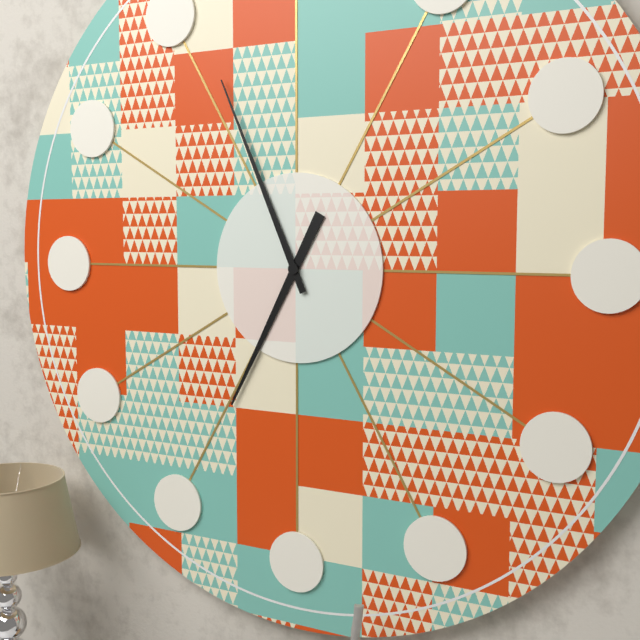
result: 6 h 56 min
